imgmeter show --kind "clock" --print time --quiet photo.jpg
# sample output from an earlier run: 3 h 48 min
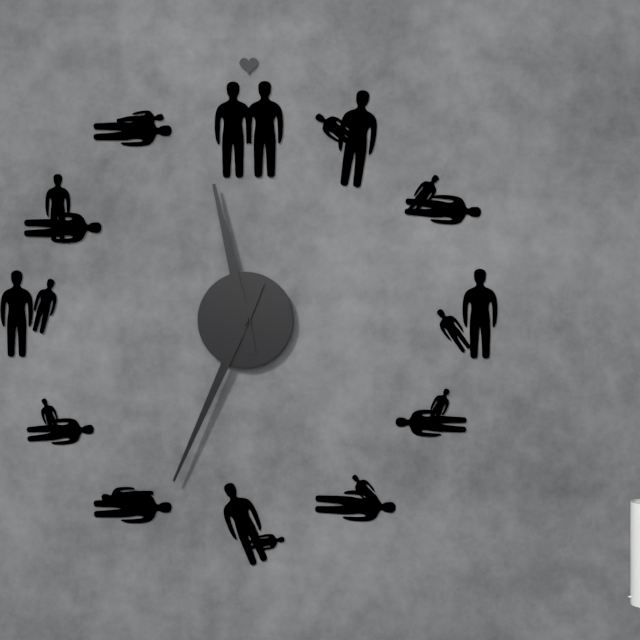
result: 11 h 34 min
